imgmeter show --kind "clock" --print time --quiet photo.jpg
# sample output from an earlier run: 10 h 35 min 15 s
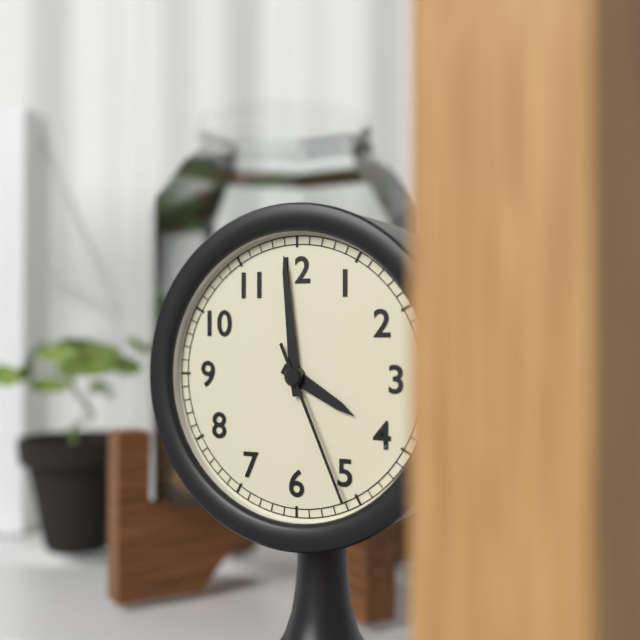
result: 3 h 59 min 26 s
